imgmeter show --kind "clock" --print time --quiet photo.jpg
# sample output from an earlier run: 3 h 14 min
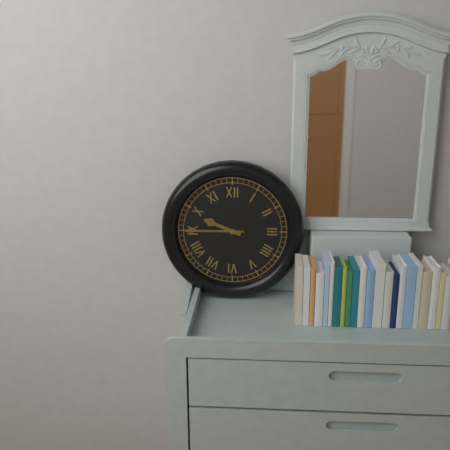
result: 9 h 45 min
